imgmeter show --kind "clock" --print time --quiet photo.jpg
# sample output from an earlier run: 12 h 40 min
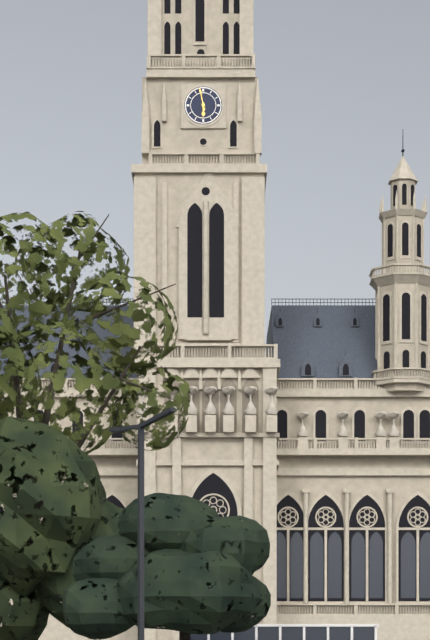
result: 5 h 58 min
